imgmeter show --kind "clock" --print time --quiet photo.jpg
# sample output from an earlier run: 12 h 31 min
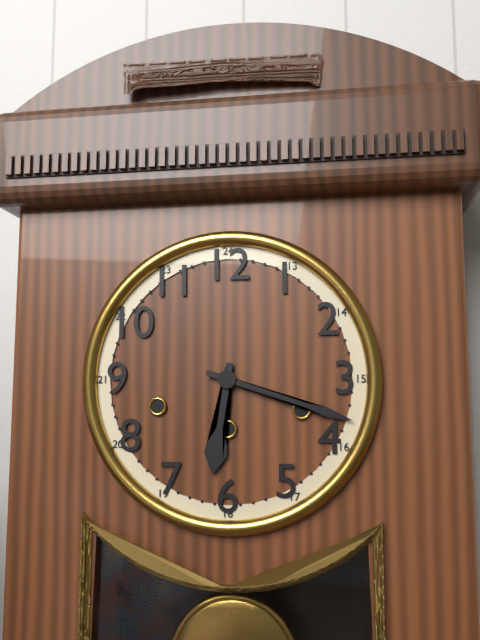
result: 6 h 18 min
